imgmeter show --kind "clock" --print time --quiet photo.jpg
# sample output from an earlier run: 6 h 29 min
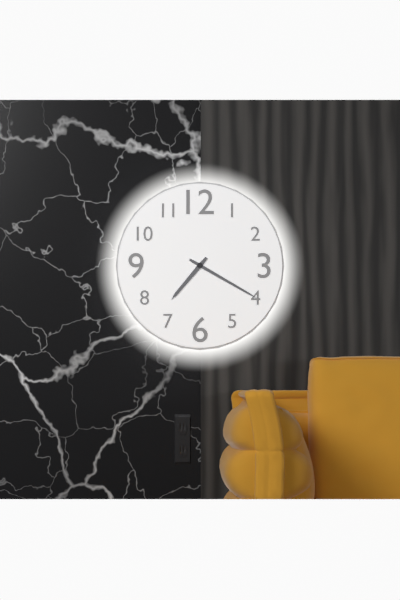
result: 7 h 20 min
